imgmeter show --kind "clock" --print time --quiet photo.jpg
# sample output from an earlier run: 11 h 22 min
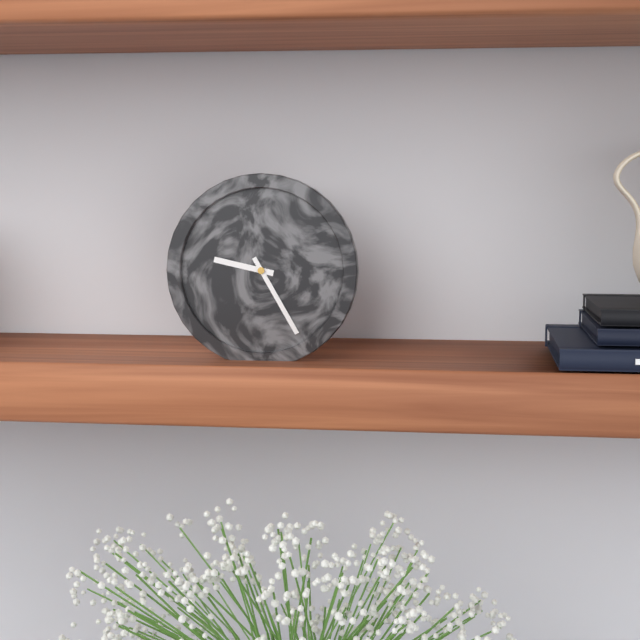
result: 9 h 25 min
